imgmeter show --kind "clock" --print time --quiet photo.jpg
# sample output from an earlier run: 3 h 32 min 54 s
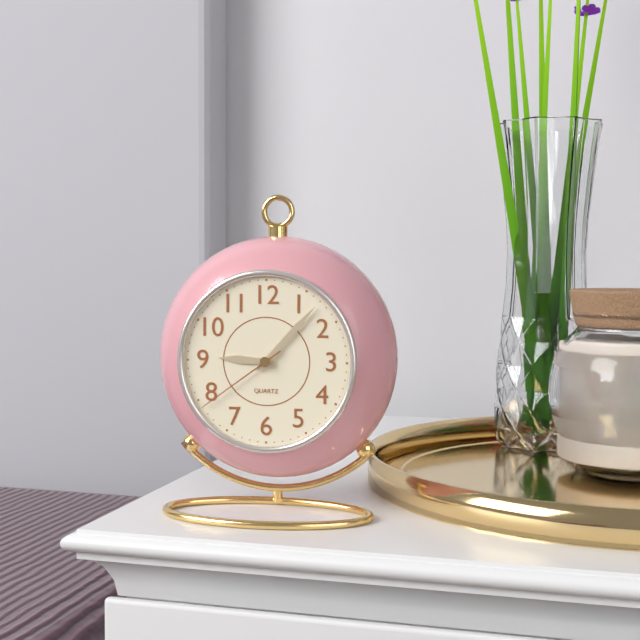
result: 9 h 07 min 39 s
